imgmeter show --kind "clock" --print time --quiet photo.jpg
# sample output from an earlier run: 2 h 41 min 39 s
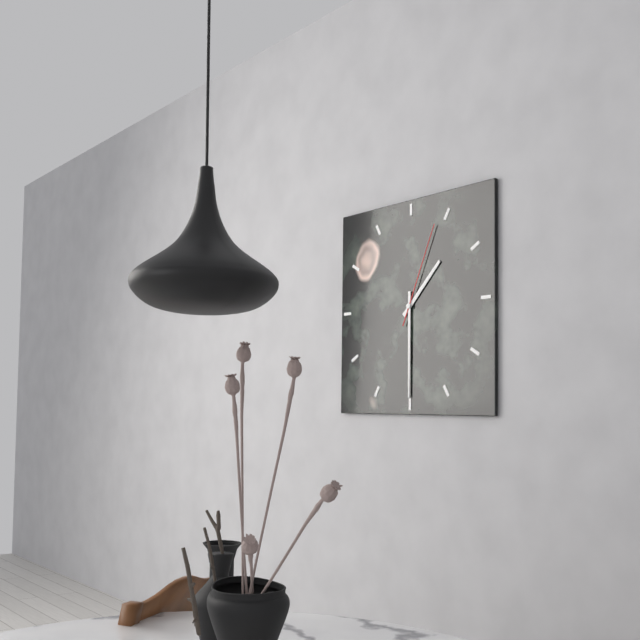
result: 1 h 30 min 04 s
